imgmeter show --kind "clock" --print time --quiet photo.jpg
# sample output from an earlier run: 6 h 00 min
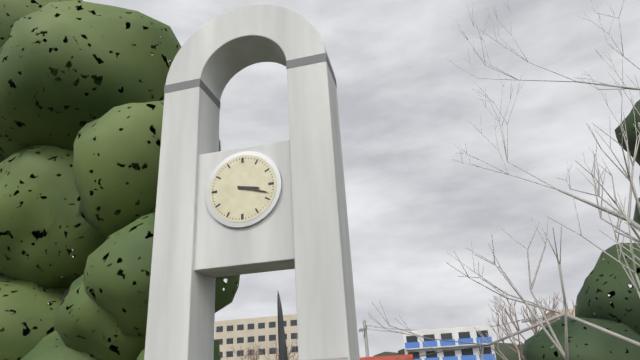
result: 3 h 18 min
